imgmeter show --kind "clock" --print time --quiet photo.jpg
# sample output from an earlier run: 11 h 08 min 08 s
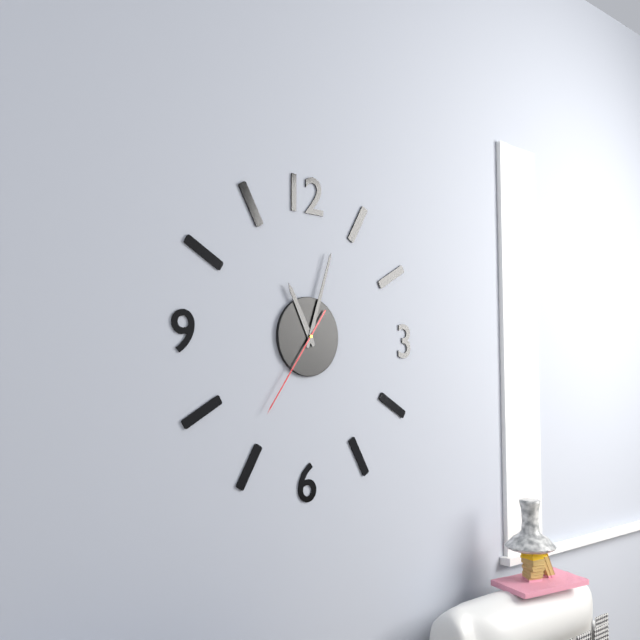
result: 11 h 03 min 36 s
